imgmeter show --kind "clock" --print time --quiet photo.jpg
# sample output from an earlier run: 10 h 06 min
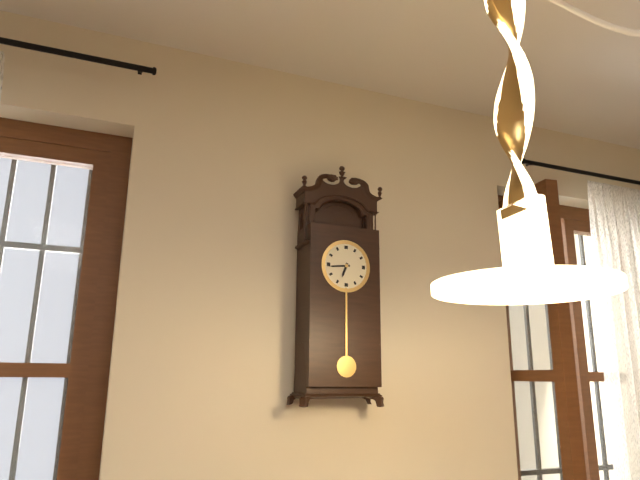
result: 6 h 44 min
